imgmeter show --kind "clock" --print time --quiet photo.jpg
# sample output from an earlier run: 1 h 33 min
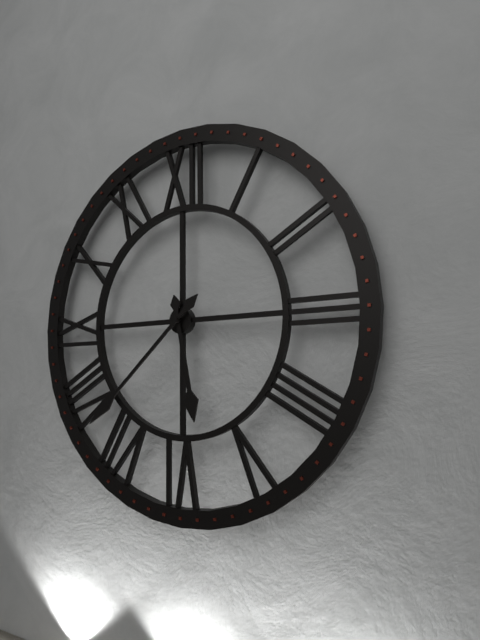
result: 5 h 38 min
